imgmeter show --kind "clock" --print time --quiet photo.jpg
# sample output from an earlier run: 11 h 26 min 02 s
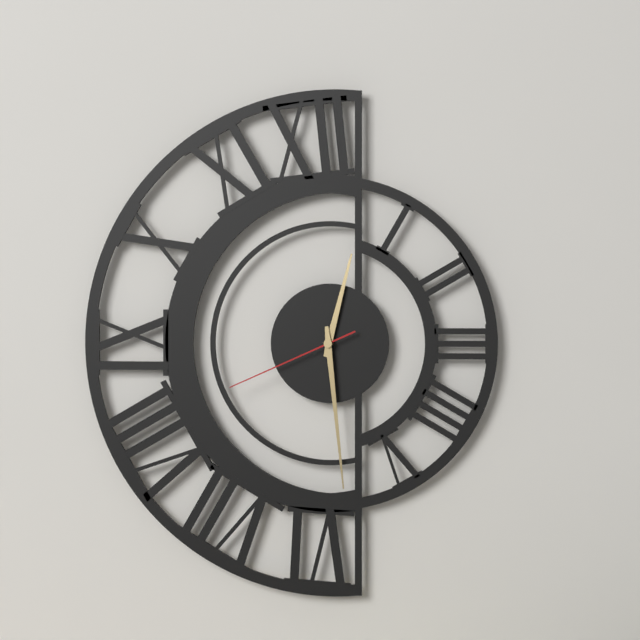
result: 12 h 29 min 41 s
